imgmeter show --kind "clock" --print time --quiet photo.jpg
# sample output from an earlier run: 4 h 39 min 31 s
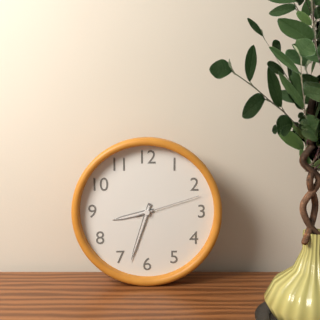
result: 8 h 33 min 12 s
